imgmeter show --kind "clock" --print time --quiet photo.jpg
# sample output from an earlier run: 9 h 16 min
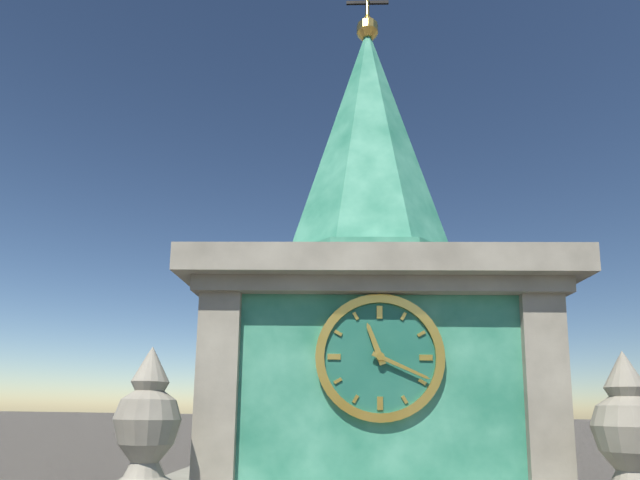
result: 11 h 19 min
